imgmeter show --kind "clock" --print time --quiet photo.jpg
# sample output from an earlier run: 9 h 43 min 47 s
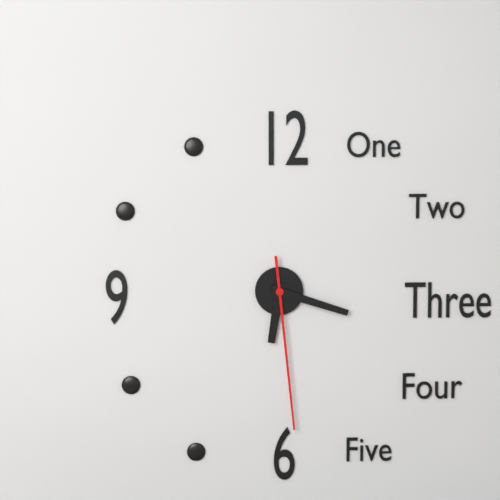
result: 6 h 18 min 29 s
